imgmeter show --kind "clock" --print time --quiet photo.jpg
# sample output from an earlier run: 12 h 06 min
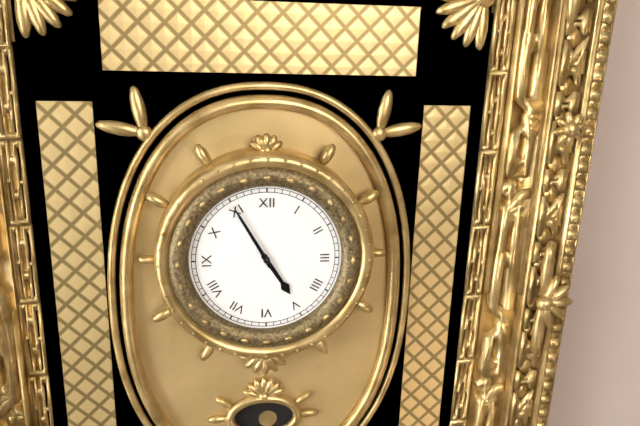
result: 4 h 55 min
